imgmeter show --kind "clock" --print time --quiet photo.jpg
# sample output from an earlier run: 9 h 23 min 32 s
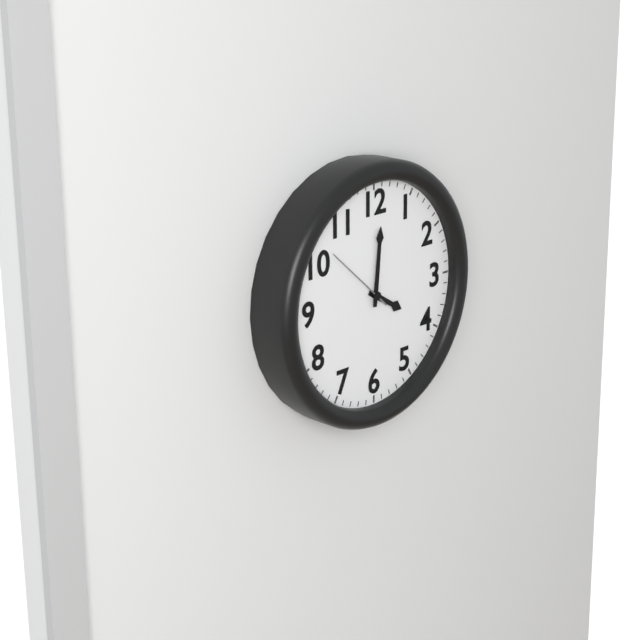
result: 4 h 01 min 52 s
